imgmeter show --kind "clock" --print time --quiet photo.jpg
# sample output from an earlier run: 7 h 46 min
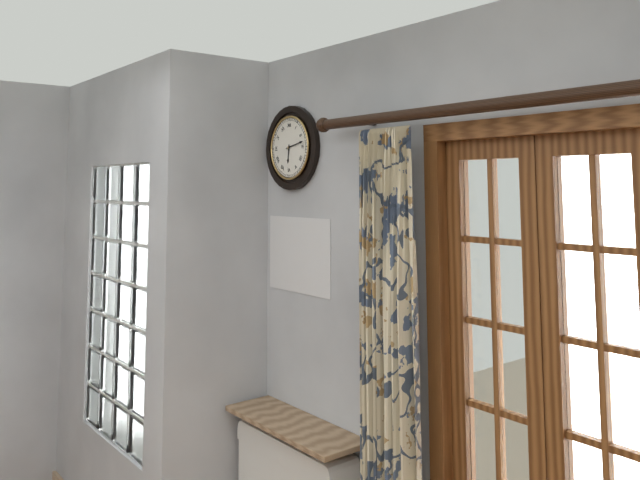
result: 6 h 13 min
